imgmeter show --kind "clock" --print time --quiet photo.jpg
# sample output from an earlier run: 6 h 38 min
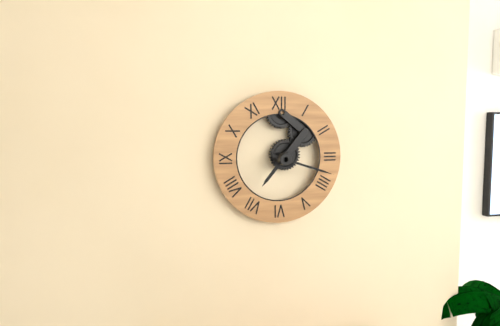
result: 7 h 18 min
